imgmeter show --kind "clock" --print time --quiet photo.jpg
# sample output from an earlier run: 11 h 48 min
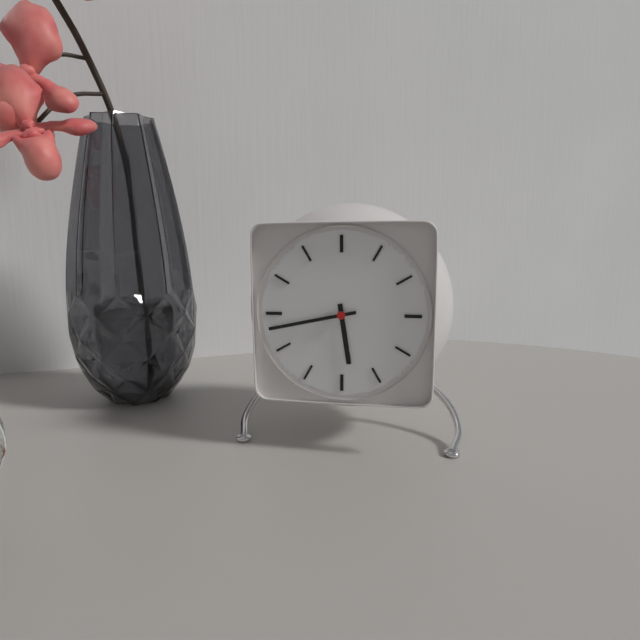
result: 5 h 43 min
